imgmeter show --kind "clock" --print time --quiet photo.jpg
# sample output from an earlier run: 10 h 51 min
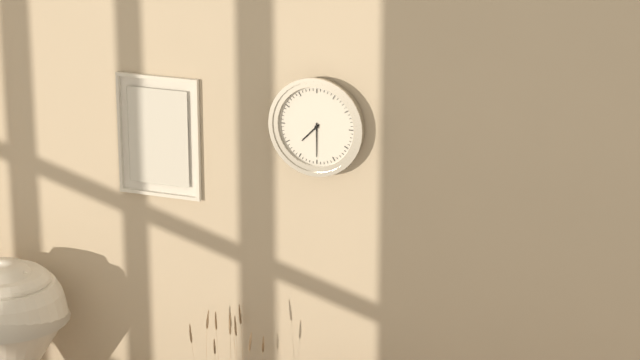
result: 7 h 30 min
